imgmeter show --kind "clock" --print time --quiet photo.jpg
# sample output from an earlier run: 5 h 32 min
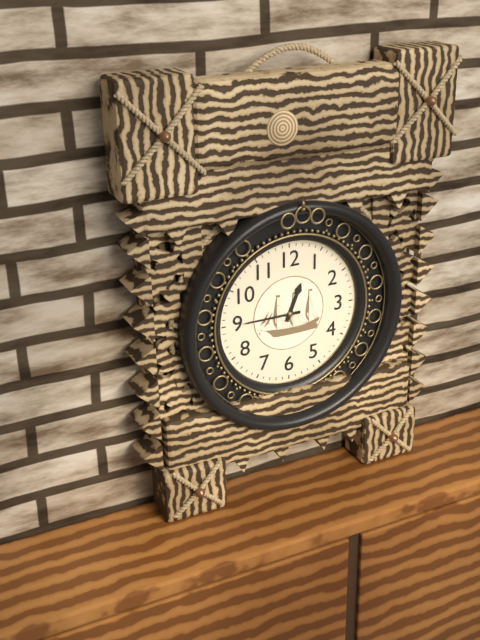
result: 12 h 45 min
